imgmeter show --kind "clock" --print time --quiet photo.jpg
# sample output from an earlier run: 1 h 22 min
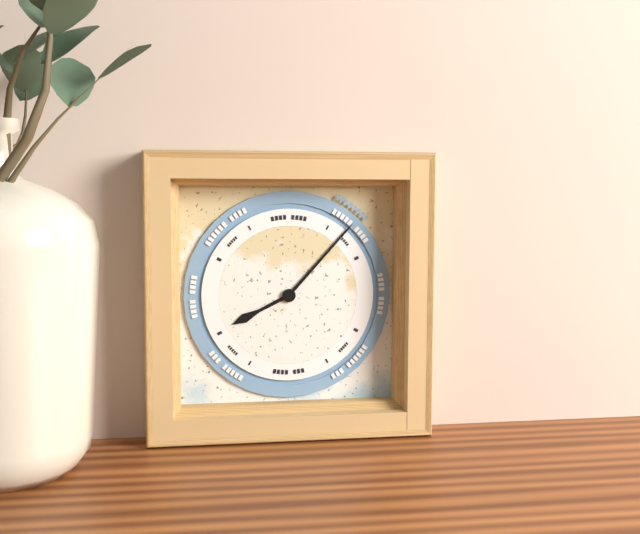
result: 8 h 07 min
